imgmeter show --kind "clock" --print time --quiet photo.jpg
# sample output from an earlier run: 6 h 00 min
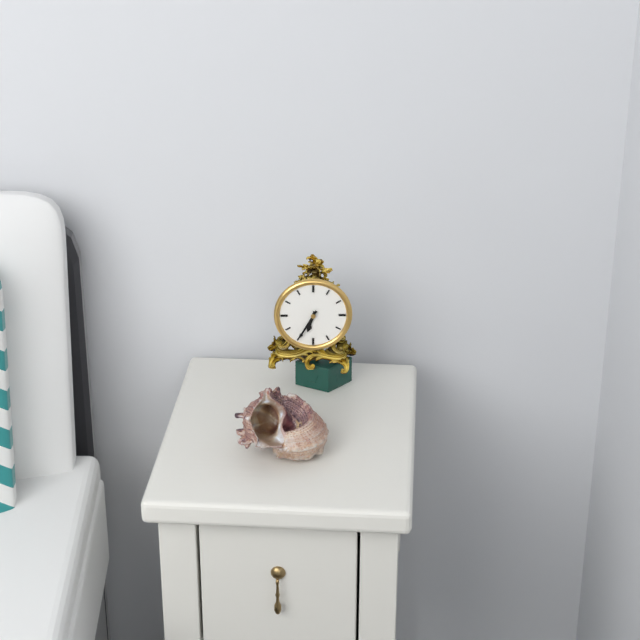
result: 6 h 35 min
